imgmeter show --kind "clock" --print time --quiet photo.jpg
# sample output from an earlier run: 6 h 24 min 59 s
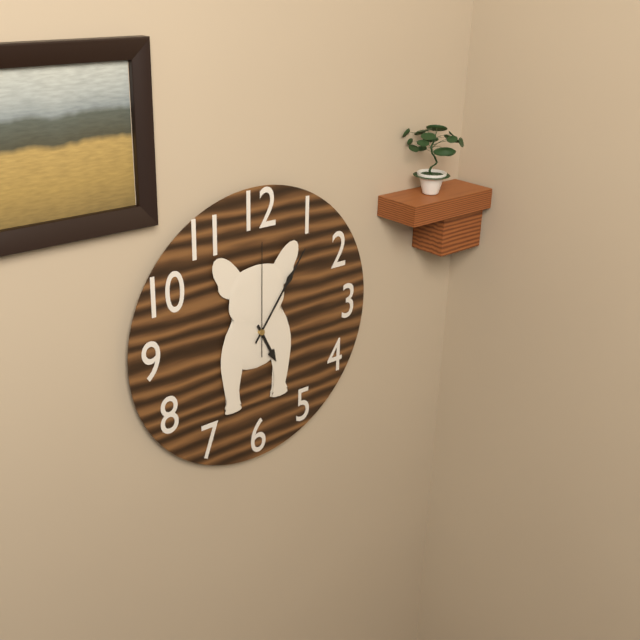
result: 5 h 06 min 00 s
